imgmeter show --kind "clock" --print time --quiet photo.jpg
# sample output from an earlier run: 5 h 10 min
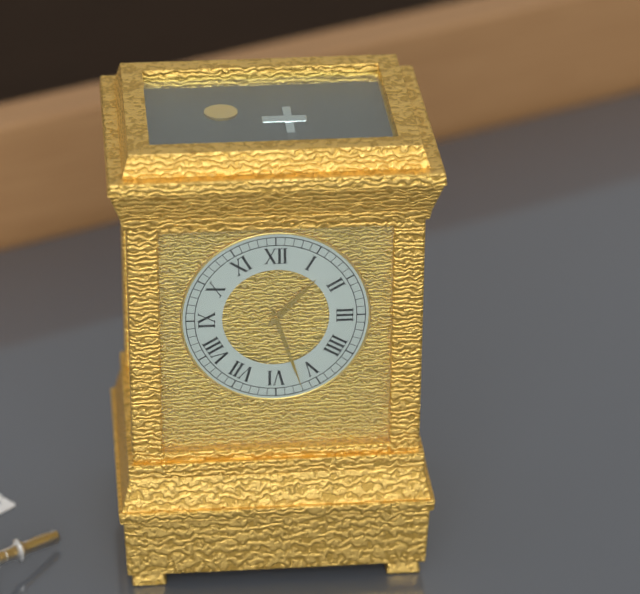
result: 1 h 27 min
